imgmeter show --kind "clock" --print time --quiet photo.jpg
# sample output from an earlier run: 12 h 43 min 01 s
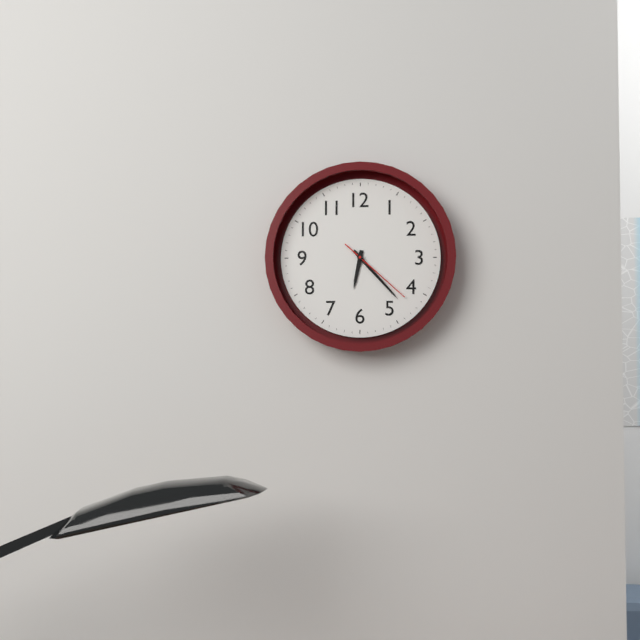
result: 6 h 23 min 22 s
